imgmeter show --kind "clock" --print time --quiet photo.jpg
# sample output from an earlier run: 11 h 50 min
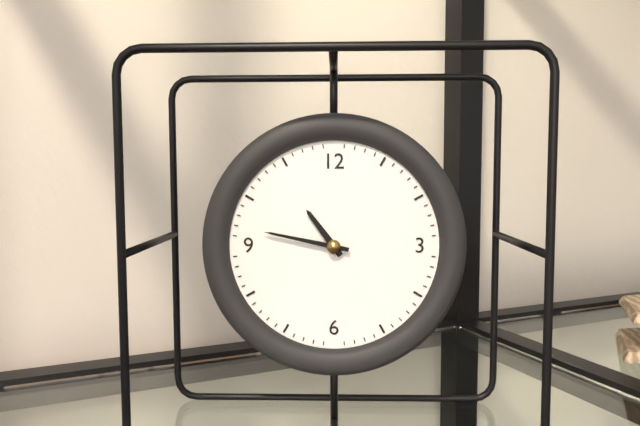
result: 10 h 47 min
